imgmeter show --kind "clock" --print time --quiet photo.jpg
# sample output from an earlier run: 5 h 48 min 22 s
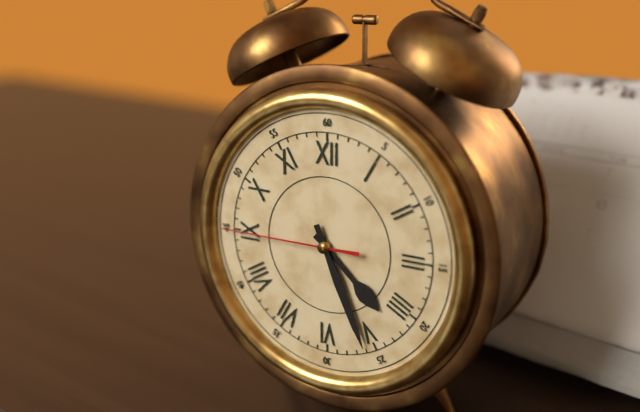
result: 4 h 26 min 45 s
